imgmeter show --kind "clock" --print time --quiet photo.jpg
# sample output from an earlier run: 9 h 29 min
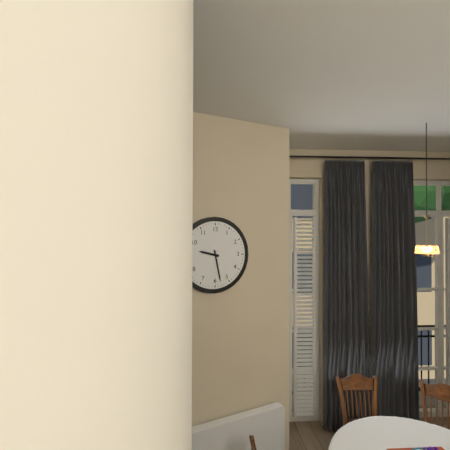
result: 9 h 28 min
